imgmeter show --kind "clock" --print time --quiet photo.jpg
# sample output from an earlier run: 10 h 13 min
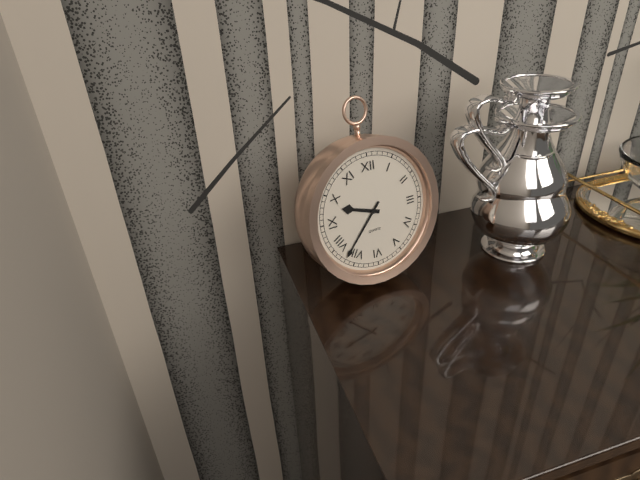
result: 9 h 37 min
